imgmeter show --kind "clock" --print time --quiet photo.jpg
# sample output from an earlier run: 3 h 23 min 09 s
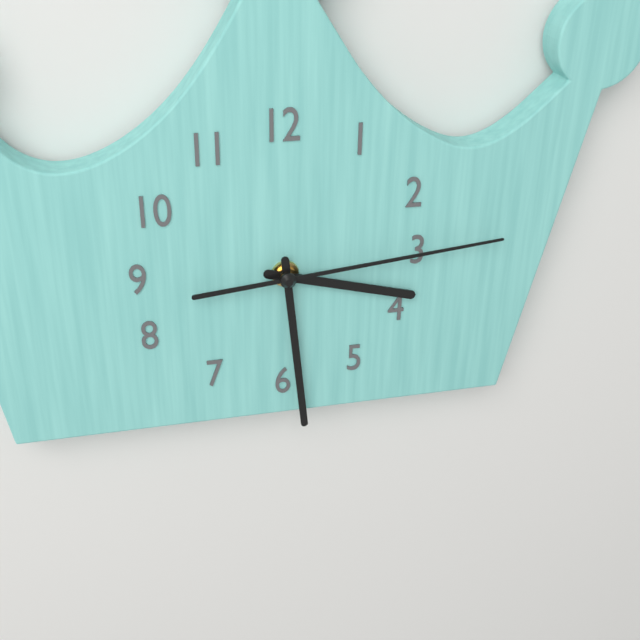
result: 3 h 29 min 14 s
